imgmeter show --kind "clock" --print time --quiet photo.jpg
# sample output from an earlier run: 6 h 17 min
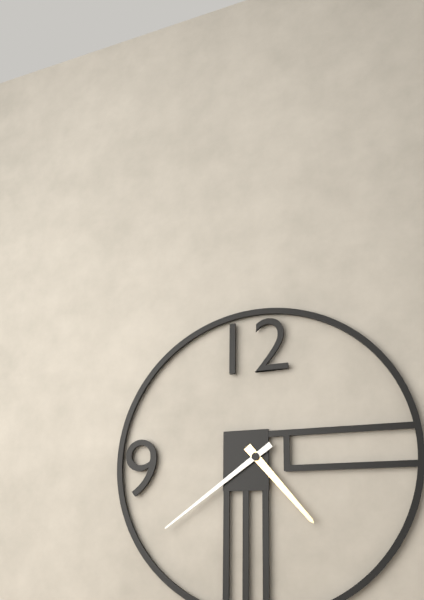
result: 4 h 39 min
